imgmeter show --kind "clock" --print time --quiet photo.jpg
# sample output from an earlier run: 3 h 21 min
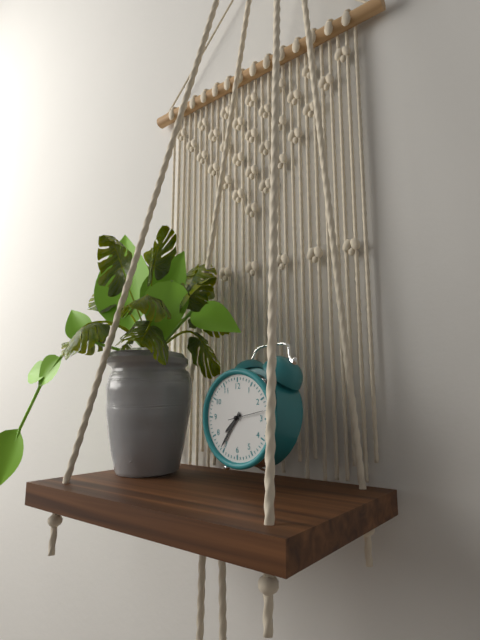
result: 7 h 36 min
